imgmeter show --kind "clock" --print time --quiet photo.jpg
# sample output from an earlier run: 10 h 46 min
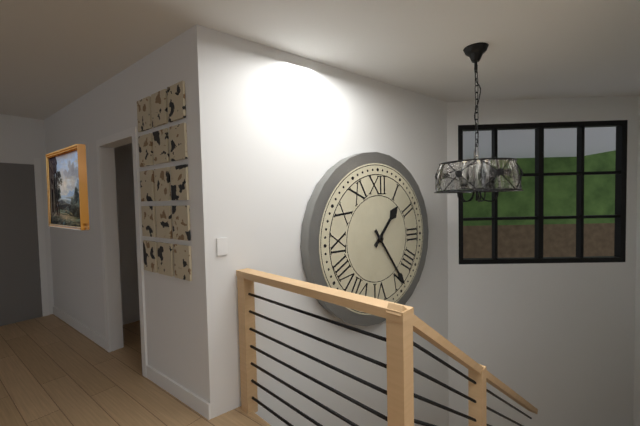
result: 1 h 24 min
